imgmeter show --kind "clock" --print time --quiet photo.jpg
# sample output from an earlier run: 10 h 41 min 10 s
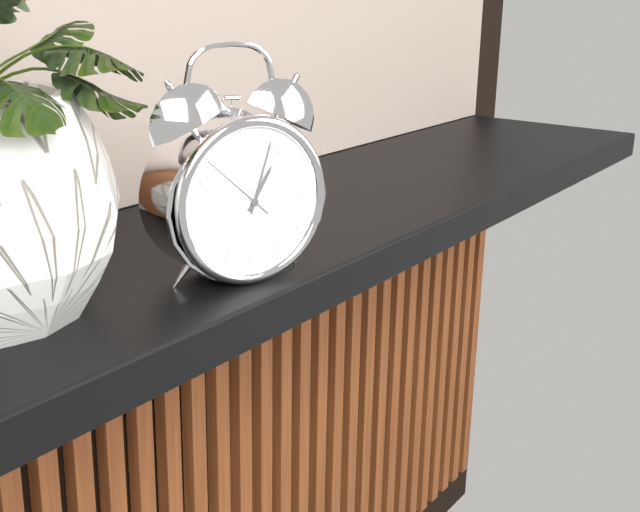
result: 1 h 03 min 52 s
